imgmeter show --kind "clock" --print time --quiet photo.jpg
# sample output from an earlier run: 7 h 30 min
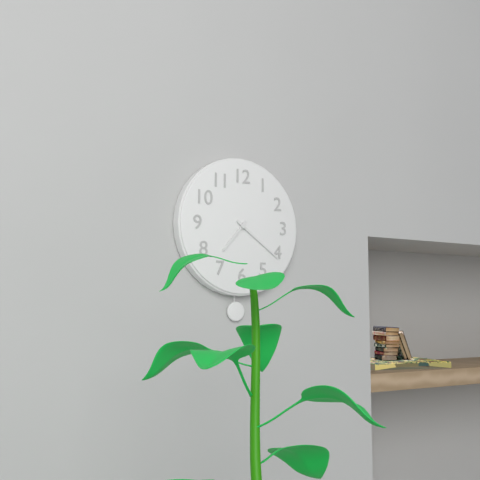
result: 7 h 21 min
